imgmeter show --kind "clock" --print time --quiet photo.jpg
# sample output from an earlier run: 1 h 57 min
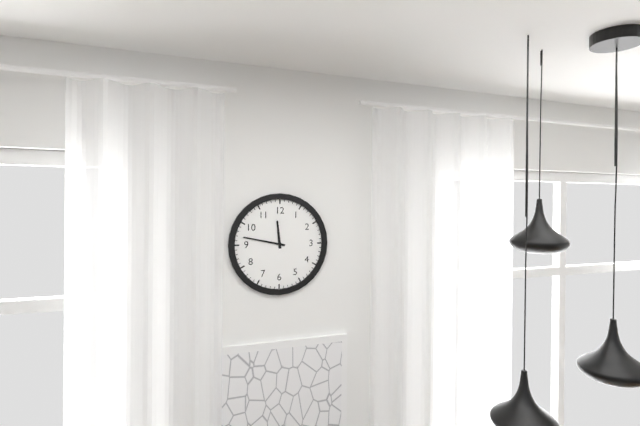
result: 11 h 47 min
